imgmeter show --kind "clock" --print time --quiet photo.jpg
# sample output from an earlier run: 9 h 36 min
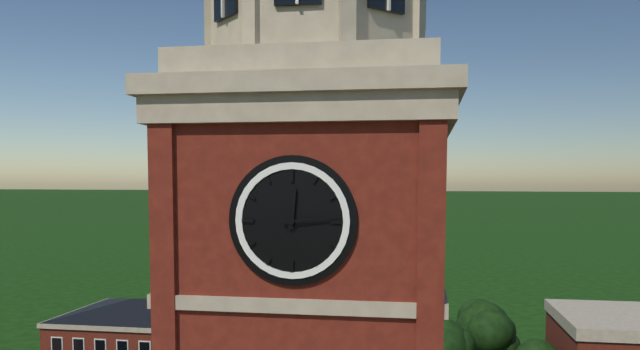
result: 12 h 14 min
